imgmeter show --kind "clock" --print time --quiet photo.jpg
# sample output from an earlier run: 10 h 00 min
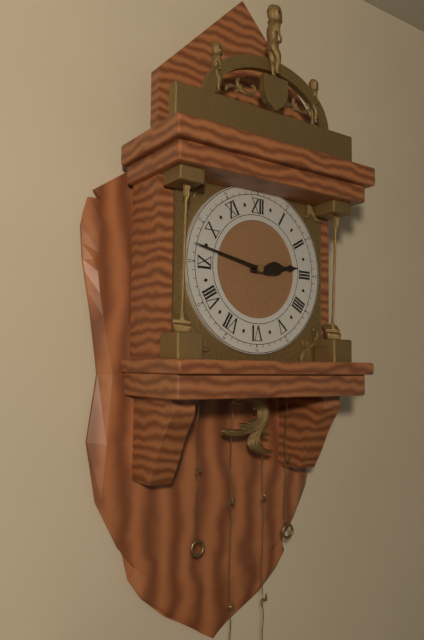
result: 2 h 47 min
